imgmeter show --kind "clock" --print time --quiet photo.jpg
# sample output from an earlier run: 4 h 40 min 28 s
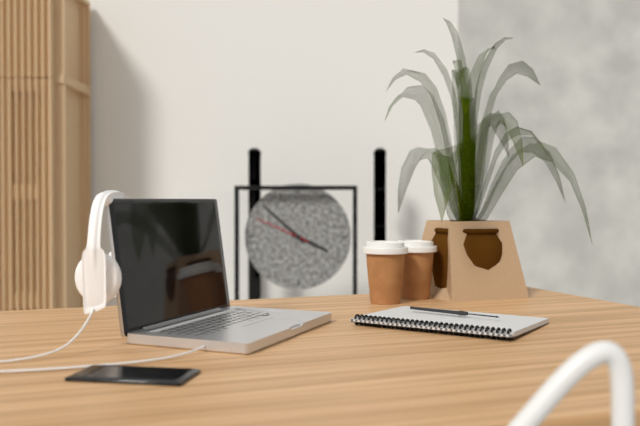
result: 3 h 52 min 49 s
